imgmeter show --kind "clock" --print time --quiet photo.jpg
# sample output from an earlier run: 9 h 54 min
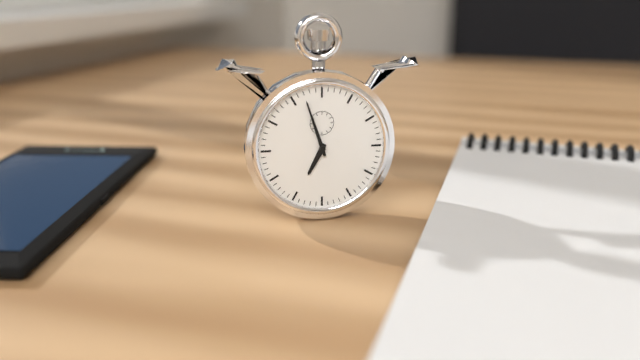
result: 6 h 57 min
